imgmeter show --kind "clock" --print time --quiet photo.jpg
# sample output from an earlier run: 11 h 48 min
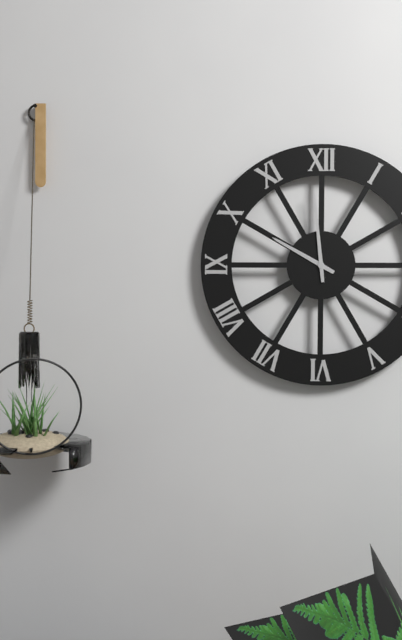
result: 9 h 59 min
